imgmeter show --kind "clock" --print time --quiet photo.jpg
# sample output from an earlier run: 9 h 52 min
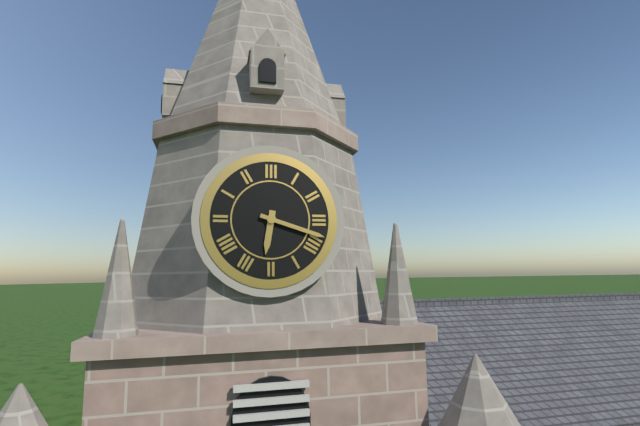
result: 6 h 18 min
